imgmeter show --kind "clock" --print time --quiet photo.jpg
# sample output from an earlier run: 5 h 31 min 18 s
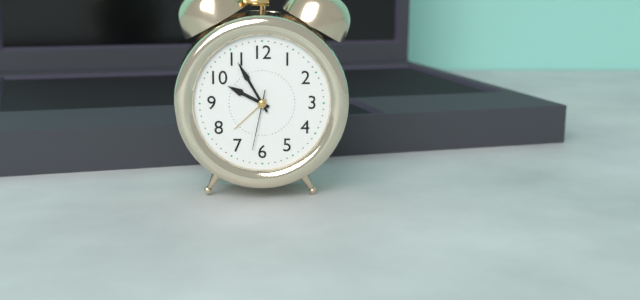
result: 9 h 55 min 32 s
